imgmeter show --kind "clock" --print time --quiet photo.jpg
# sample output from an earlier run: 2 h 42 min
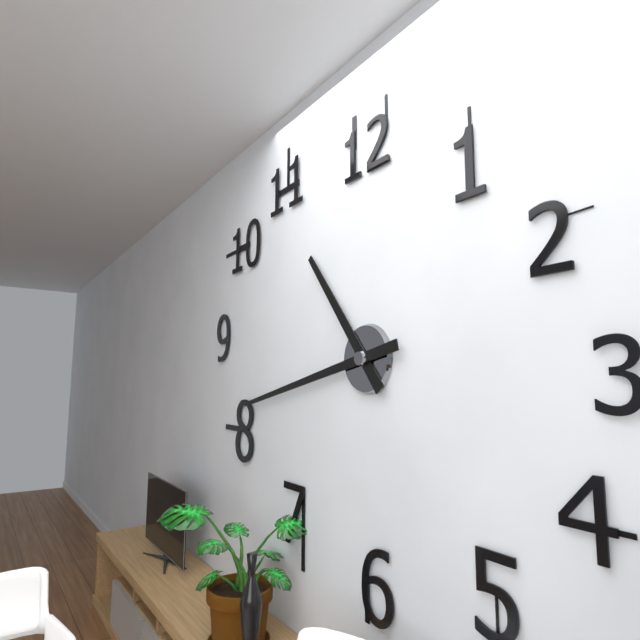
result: 10 h 43 min
